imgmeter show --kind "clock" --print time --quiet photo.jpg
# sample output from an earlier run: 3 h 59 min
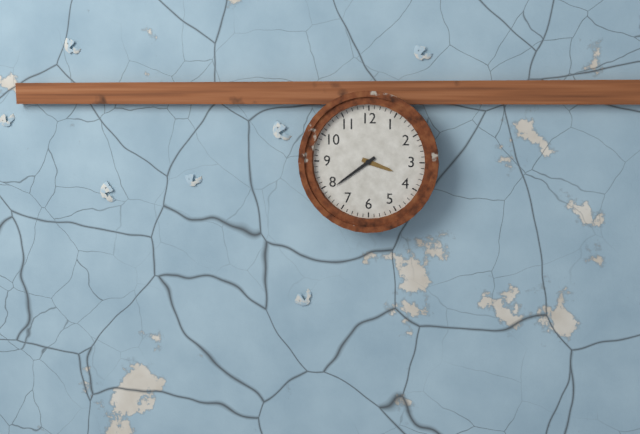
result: 3 h 39 min
